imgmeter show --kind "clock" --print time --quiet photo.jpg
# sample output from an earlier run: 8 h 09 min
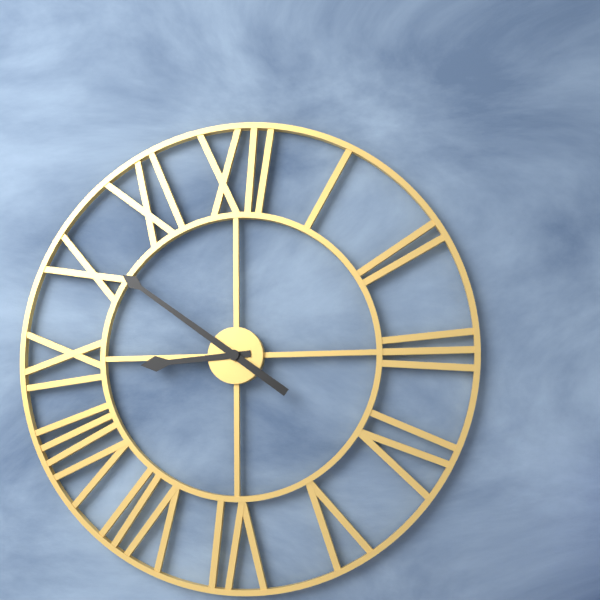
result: 8 h 51 min
